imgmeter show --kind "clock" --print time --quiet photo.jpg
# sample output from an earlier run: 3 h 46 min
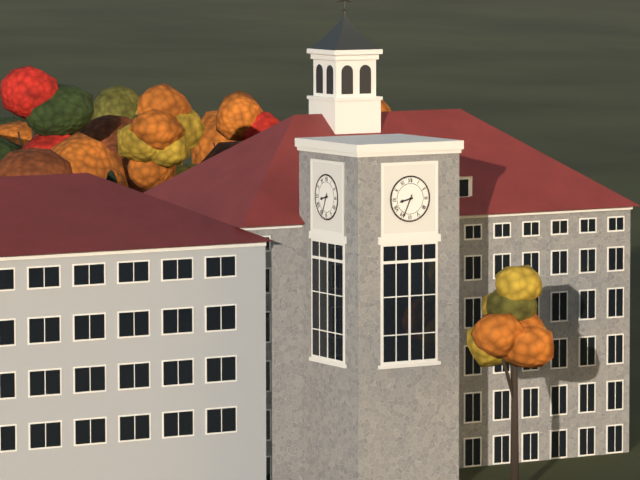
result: 8 h 34 min
